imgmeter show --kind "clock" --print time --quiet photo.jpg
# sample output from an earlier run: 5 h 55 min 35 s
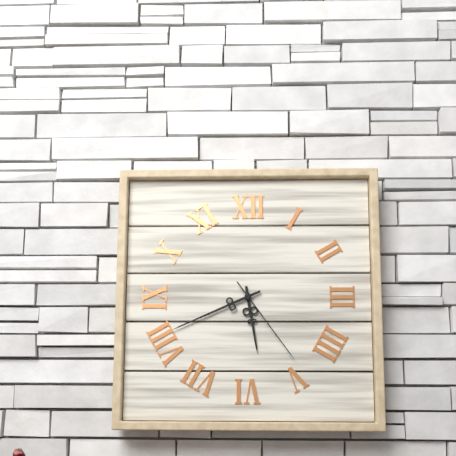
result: 5 h 41 min 24 s
